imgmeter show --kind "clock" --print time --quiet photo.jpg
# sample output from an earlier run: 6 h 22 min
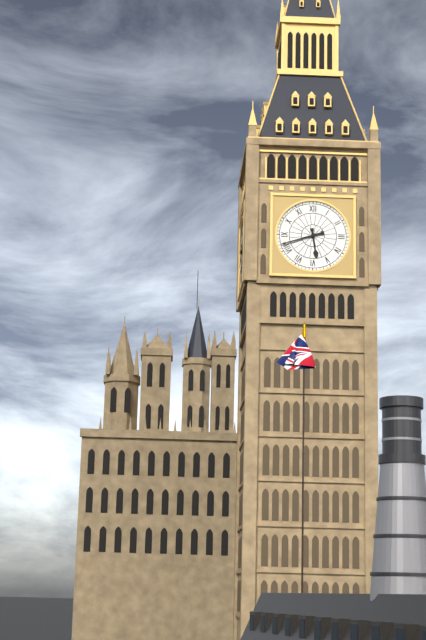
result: 5 h 42 min
